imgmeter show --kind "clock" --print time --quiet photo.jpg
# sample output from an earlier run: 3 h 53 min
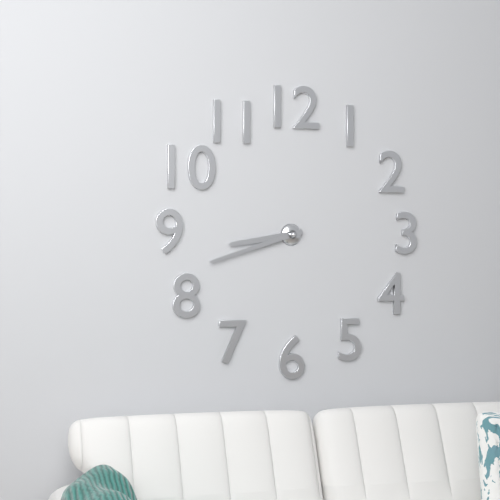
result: 8 h 42 min
